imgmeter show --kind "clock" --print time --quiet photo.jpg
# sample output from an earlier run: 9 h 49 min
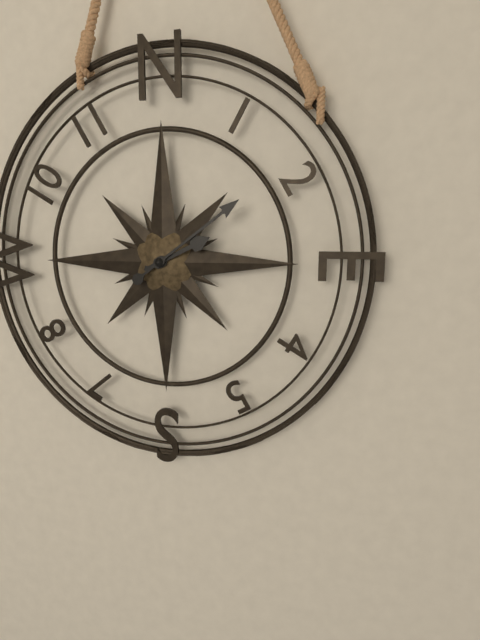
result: 2 h 09 min
